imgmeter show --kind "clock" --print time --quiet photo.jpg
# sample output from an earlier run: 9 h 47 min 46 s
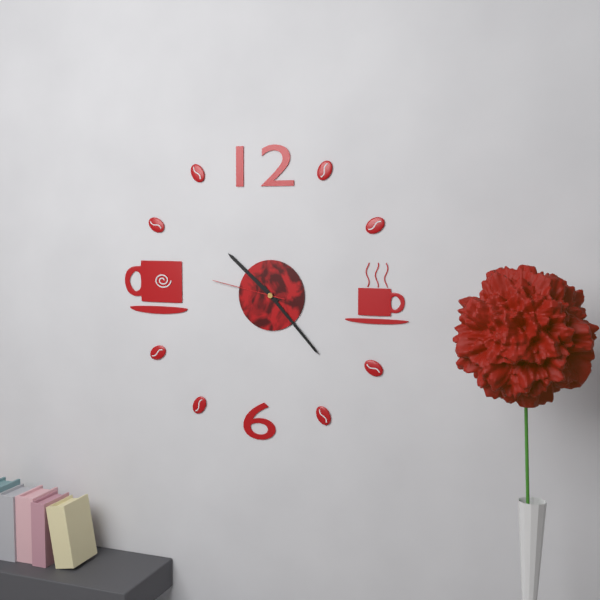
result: 10 h 23 min 47 s
